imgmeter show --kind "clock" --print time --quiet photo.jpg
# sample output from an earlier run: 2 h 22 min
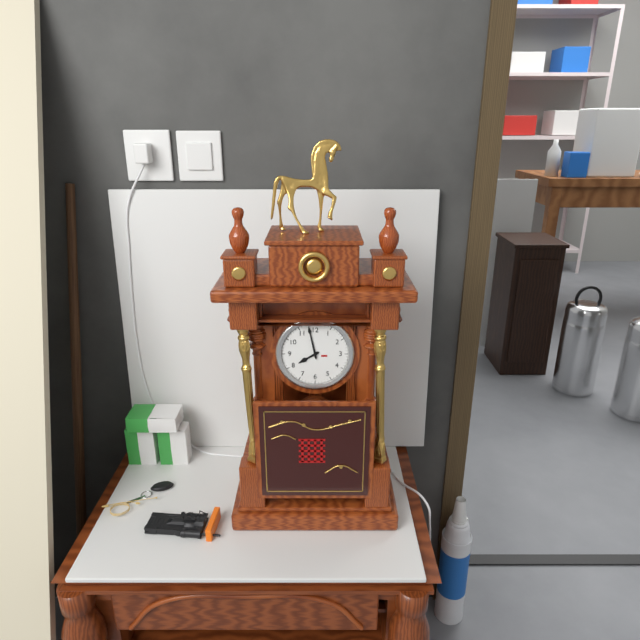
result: 7 h 58 min
